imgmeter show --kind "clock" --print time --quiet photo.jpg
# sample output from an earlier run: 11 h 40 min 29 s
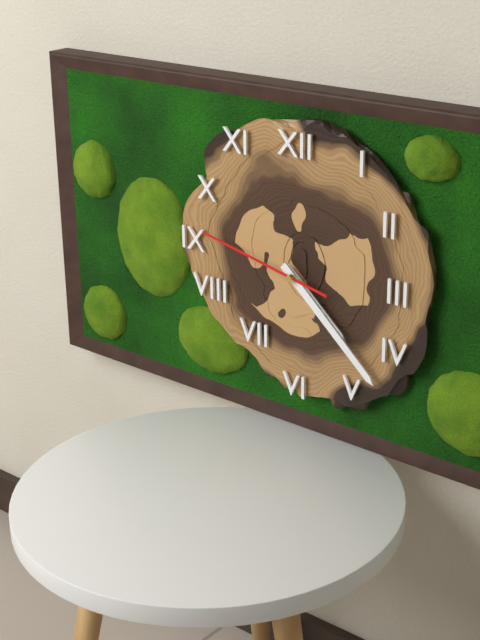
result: 4 h 22 min 47 s
